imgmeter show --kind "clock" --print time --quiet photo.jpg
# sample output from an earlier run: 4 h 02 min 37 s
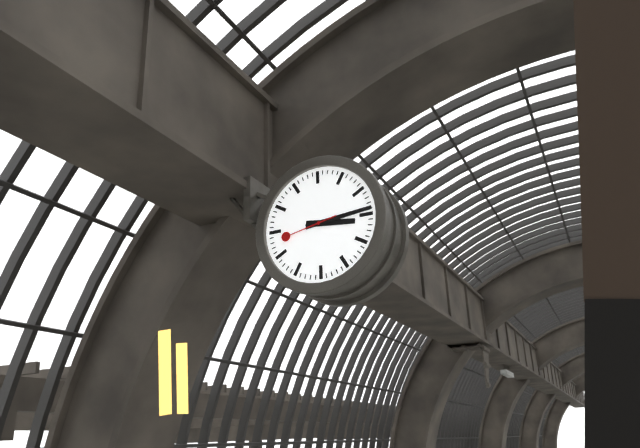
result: 3 h 14 min 43 s
